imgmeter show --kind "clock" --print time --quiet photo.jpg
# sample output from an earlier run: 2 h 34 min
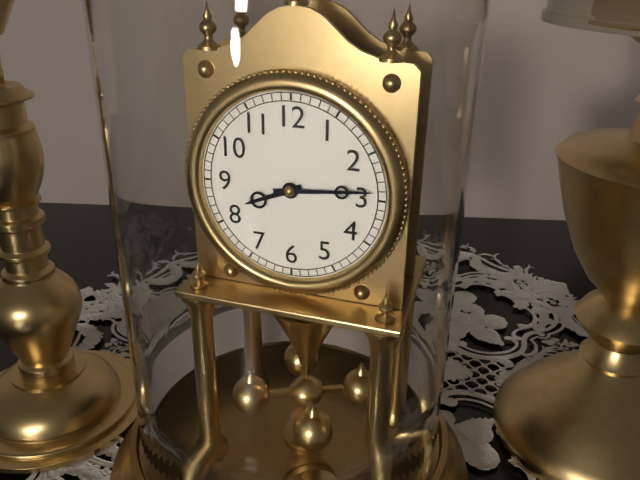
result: 8 h 14 min
